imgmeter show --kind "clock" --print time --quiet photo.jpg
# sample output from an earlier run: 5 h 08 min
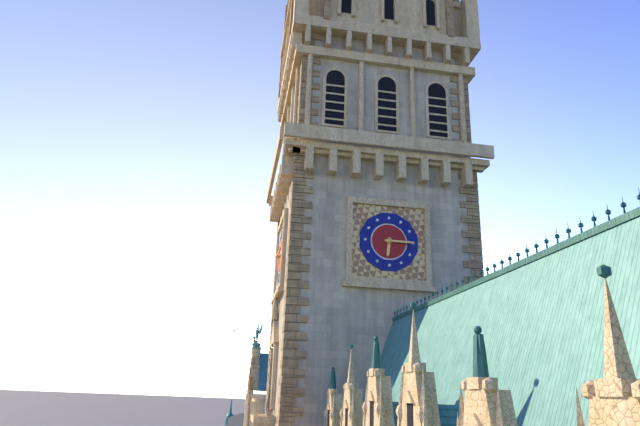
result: 6 h 15 min
